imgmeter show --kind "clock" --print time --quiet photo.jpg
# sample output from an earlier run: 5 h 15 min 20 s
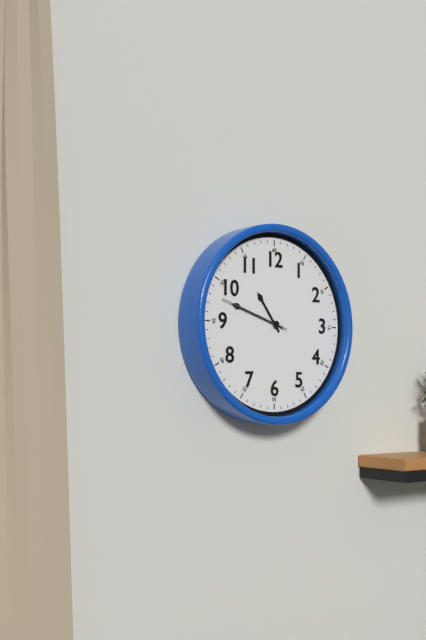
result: 10 h 48 min 48 s
